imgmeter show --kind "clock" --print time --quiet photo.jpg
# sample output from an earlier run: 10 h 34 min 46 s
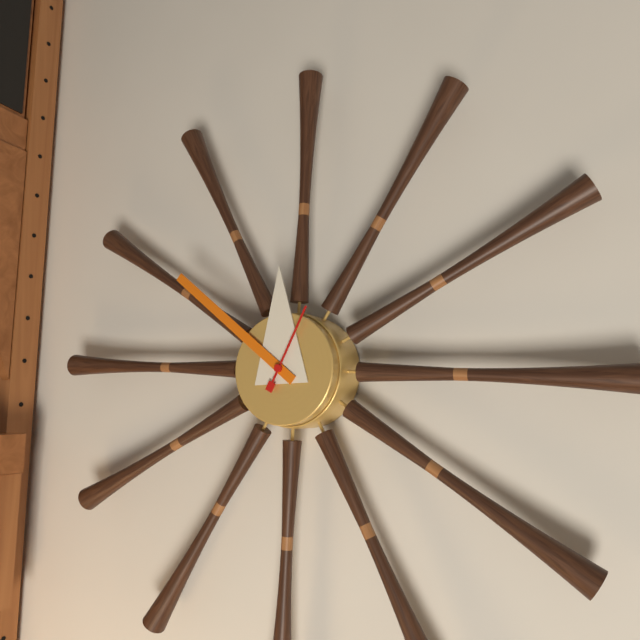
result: 11 h 51 min 04 s
